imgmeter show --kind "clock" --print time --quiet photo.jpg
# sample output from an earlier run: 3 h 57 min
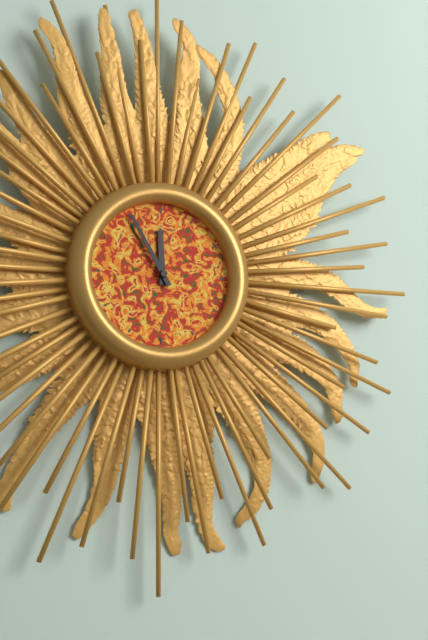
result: 11 h 55 min
